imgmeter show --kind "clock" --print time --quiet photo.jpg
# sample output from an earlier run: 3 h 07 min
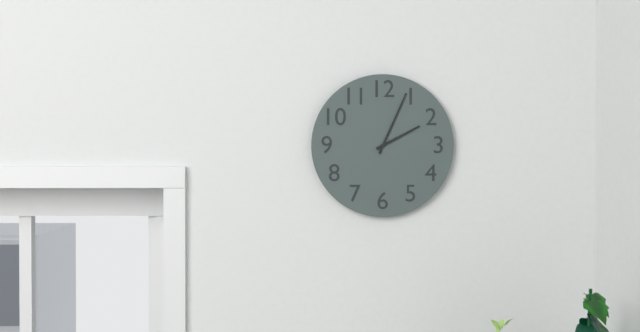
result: 2 h 04 min
